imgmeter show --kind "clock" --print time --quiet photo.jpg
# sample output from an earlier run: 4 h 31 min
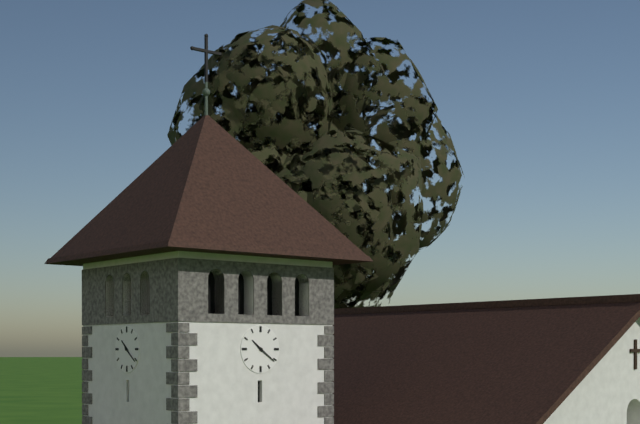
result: 10 h 21 min
